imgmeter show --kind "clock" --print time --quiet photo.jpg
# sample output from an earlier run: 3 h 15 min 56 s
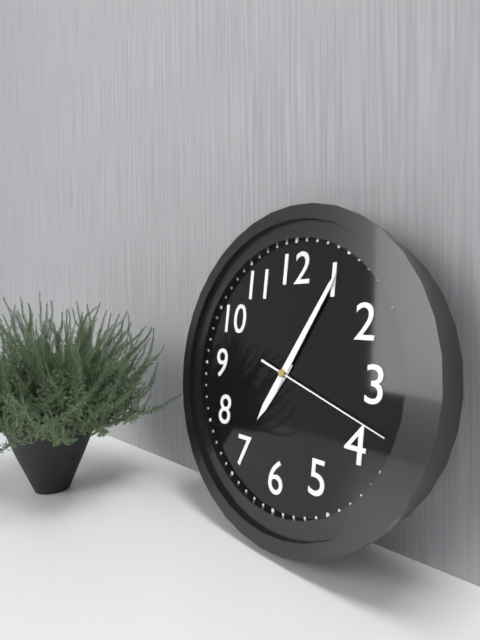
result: 7 h 05 min 18 s
